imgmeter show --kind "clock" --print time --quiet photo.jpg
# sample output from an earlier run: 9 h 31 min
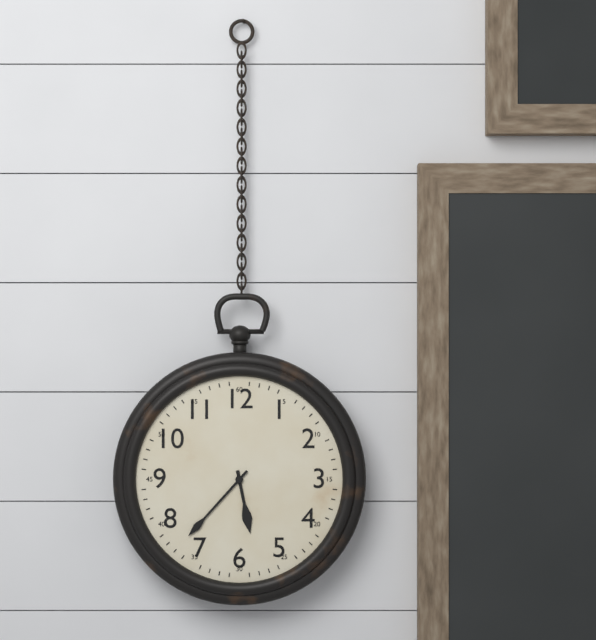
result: 5 h 37 min
